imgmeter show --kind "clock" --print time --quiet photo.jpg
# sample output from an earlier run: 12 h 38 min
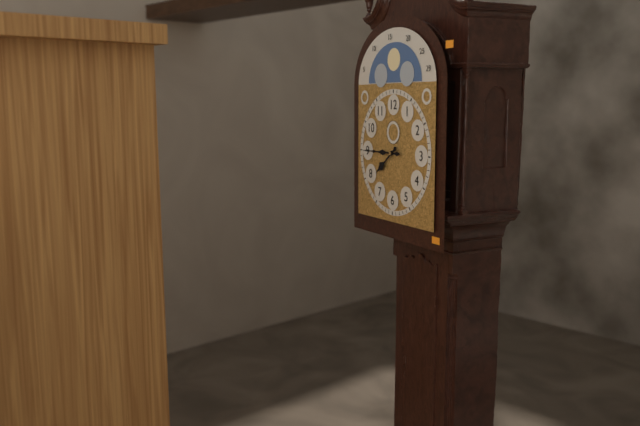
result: 7 h 45 min
